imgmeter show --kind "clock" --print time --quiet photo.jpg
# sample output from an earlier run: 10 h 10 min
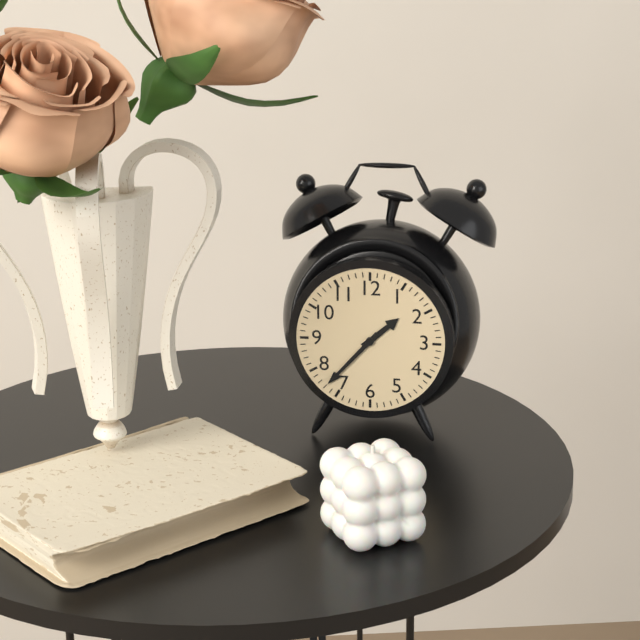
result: 1 h 37 min
